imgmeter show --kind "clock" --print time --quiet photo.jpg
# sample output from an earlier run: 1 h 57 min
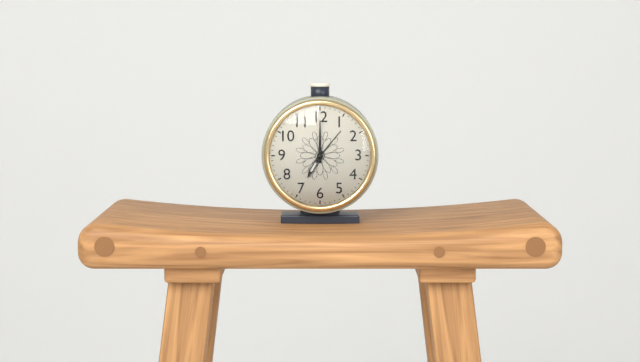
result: 7 h 00 min
